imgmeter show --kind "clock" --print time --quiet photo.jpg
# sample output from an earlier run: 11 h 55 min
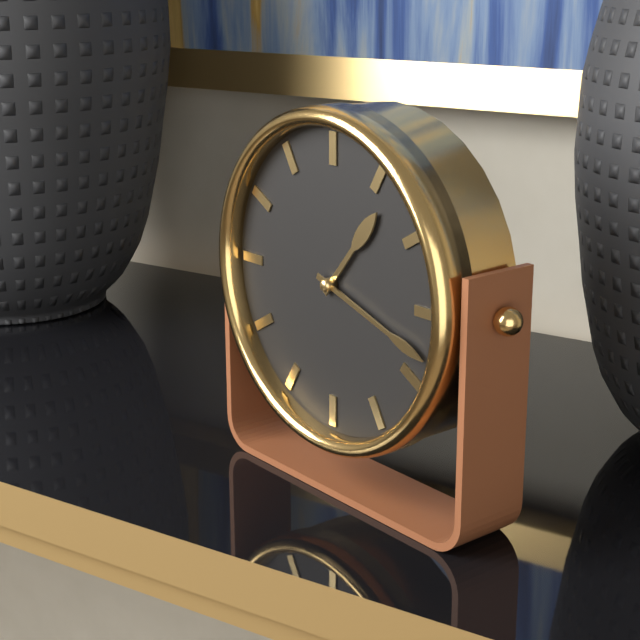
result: 1 h 18 min
